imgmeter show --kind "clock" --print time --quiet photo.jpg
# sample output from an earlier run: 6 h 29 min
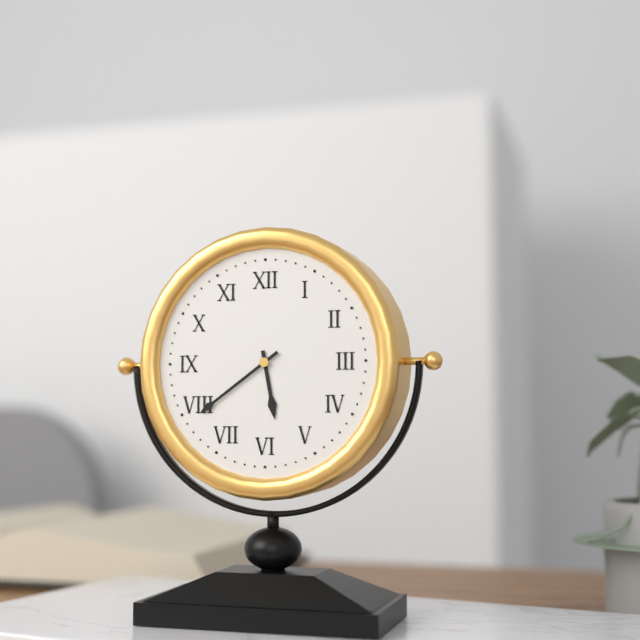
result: 5 h 39 min
